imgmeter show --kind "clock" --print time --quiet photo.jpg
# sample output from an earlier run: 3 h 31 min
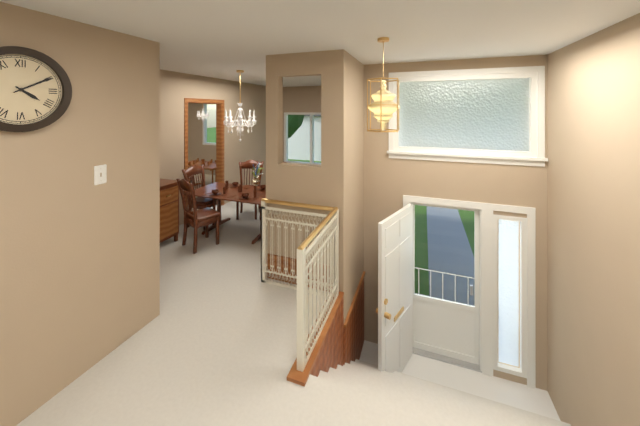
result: 4 h 10 min
